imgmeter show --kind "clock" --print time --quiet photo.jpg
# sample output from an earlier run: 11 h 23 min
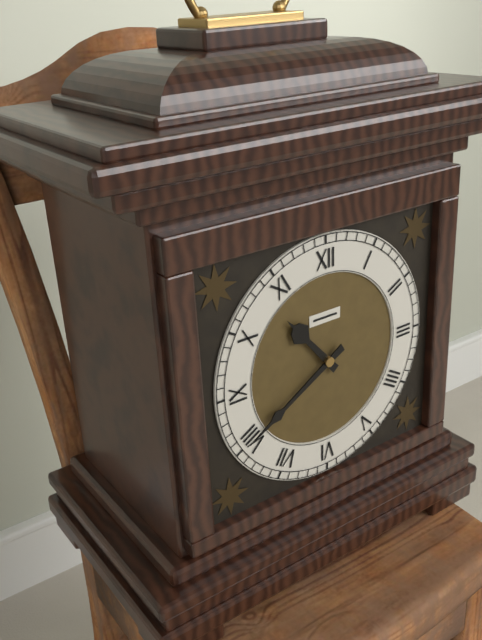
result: 10 h 40 min
